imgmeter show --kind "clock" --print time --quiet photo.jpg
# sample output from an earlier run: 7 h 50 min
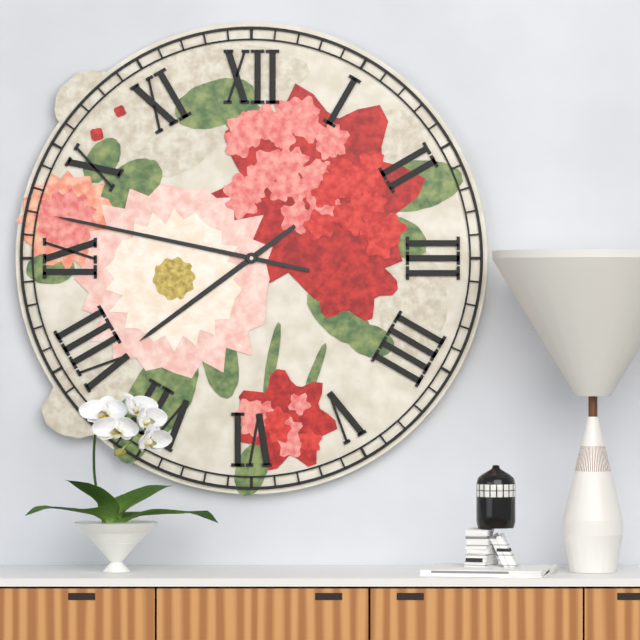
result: 7 h 47 min
